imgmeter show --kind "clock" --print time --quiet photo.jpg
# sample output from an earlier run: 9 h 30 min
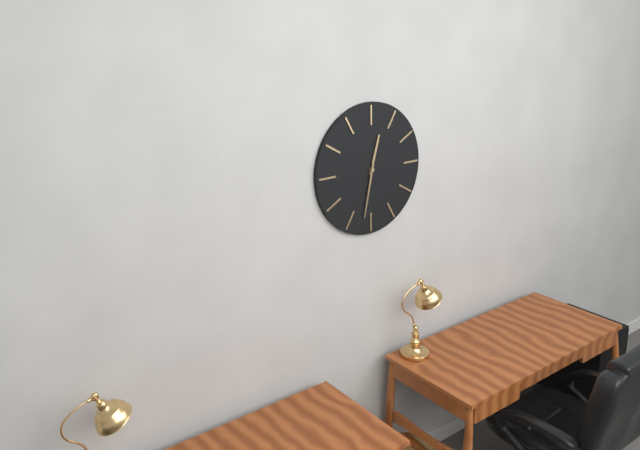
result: 12 h 32 min
